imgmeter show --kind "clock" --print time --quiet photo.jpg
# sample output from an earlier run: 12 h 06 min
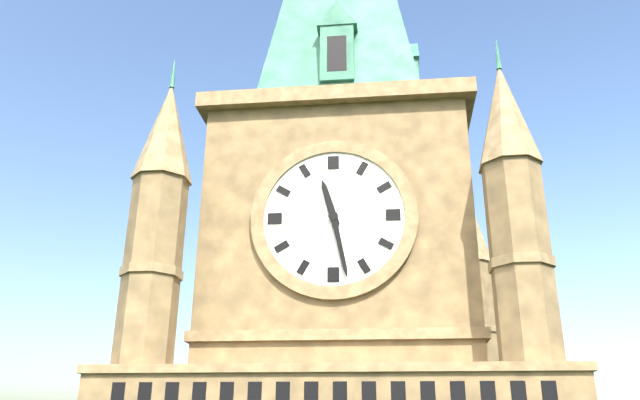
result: 11 h 28 min
